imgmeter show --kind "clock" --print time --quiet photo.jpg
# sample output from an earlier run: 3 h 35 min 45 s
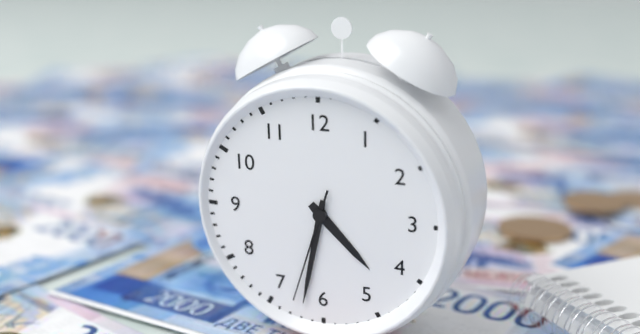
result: 4 h 32 min 33 s
